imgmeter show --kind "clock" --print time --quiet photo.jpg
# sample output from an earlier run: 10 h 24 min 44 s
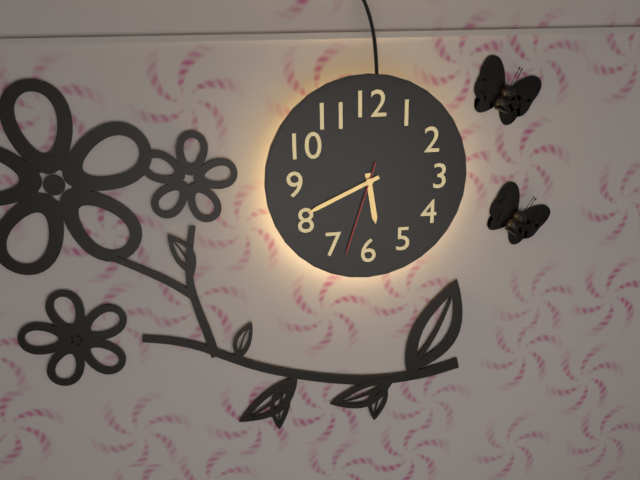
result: 5 h 41 min 33 s
